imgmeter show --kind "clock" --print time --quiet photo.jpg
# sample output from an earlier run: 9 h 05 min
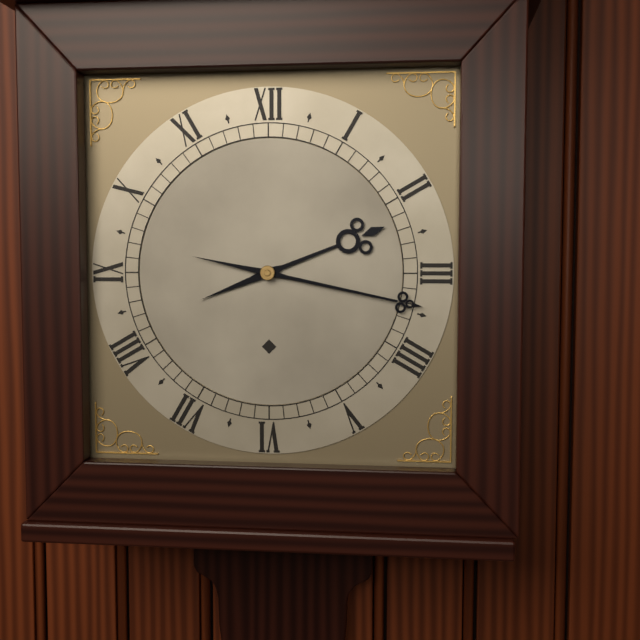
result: 2 h 17 min
